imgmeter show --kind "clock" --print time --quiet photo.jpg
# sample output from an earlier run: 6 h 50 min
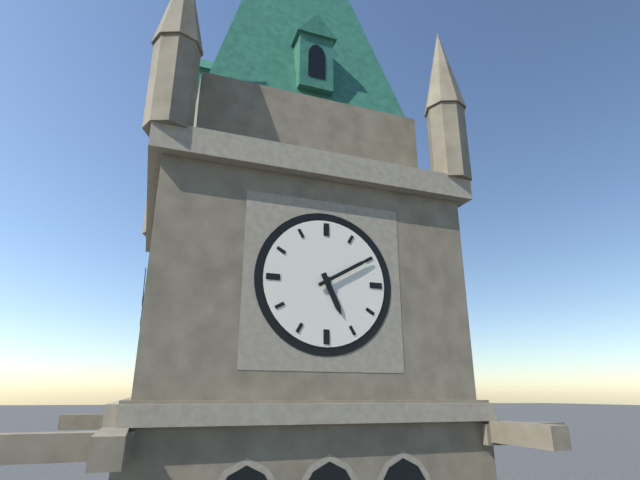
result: 5 h 10 min
